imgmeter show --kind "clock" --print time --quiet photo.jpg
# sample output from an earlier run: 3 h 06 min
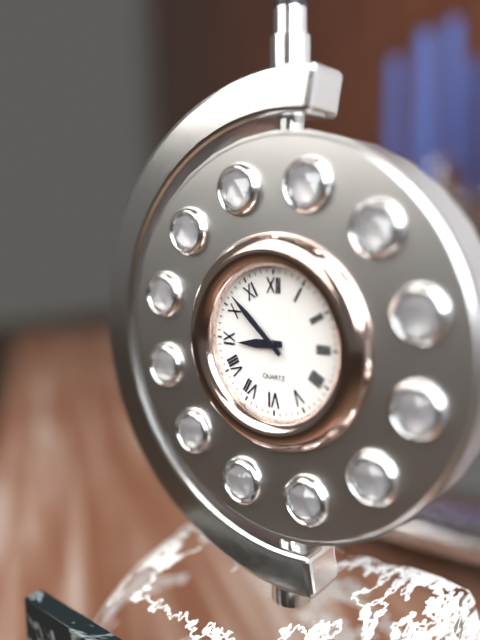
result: 8 h 52 min
